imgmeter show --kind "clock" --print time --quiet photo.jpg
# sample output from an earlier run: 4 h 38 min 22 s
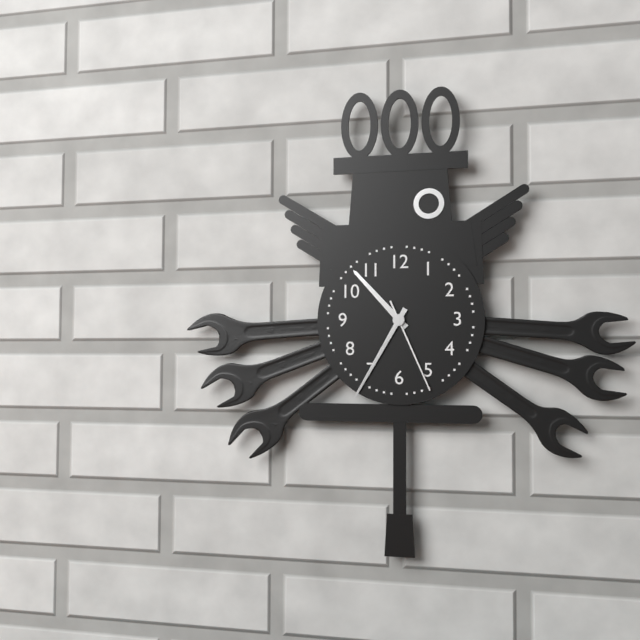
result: 10 h 35 min 26 s
